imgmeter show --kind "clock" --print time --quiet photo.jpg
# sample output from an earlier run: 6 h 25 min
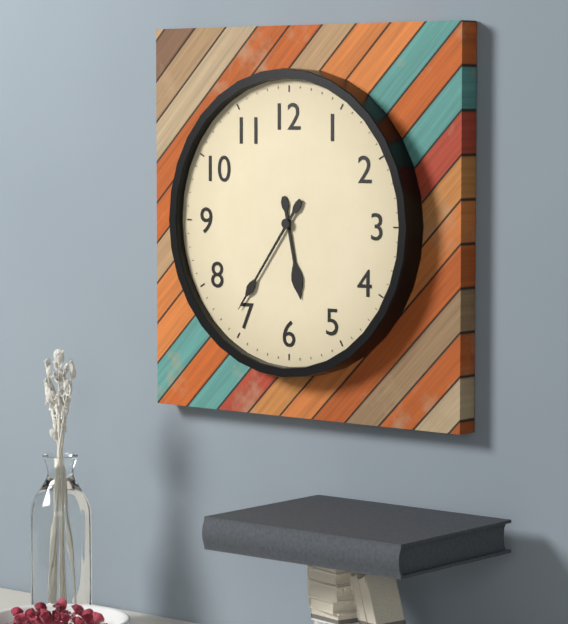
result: 5 h 36 min
